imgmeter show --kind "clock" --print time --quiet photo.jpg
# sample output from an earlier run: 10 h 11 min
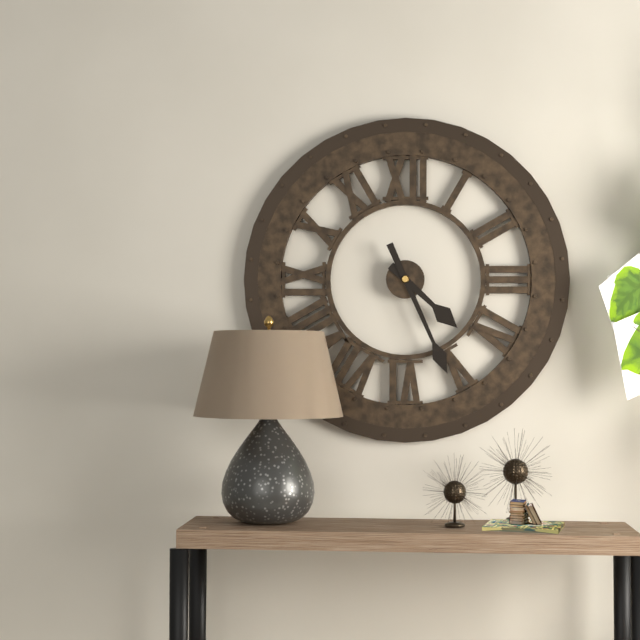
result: 4 h 26 min
